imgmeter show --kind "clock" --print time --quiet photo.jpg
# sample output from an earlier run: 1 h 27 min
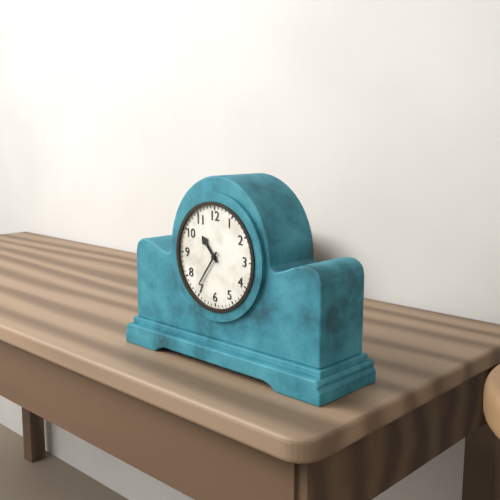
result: 10 h 36 min
